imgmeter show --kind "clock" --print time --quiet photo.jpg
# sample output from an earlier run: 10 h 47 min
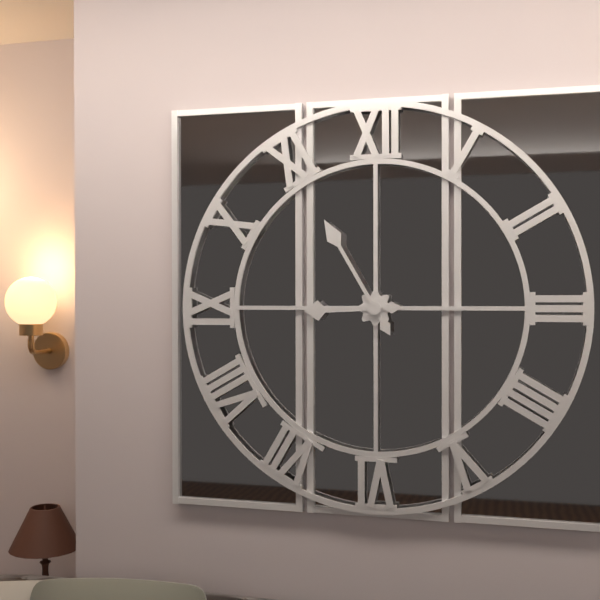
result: 8 h 55 min
